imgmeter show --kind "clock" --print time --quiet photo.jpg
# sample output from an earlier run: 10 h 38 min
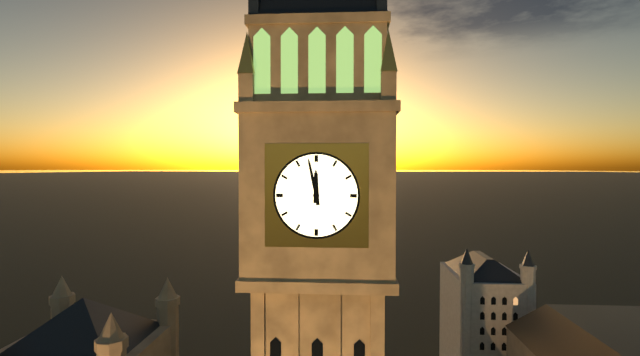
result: 11 h 58 min
